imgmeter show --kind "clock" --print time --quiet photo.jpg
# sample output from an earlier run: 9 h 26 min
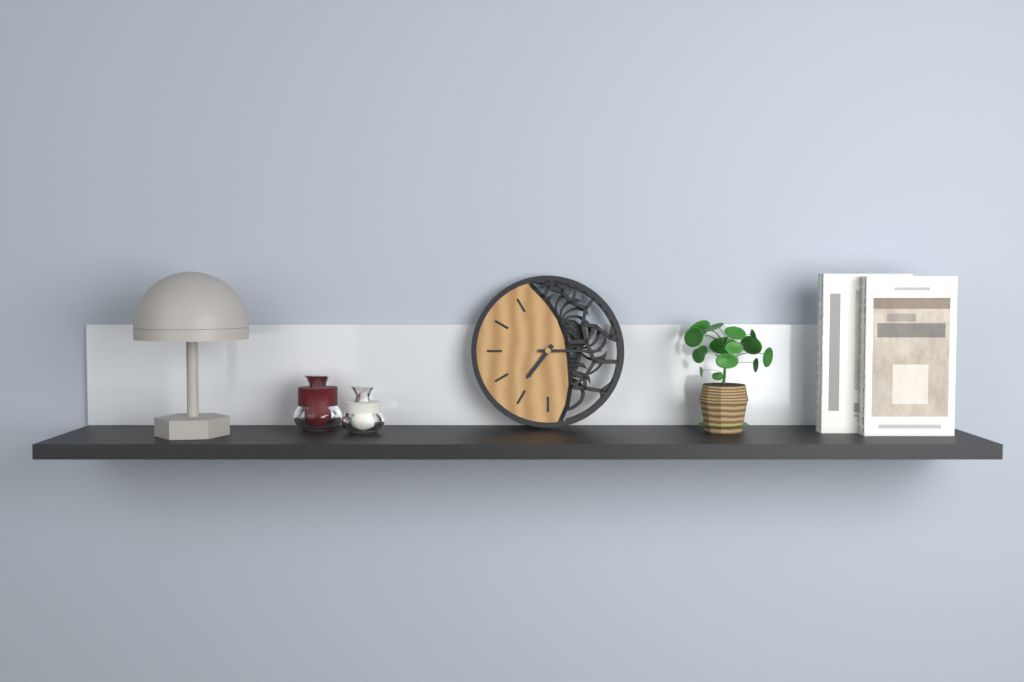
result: 7 h 15 min
